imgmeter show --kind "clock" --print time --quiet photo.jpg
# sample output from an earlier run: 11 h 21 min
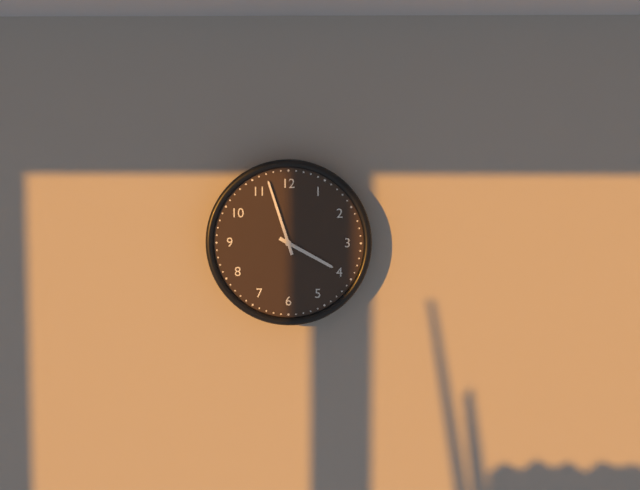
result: 3 h 57 min
